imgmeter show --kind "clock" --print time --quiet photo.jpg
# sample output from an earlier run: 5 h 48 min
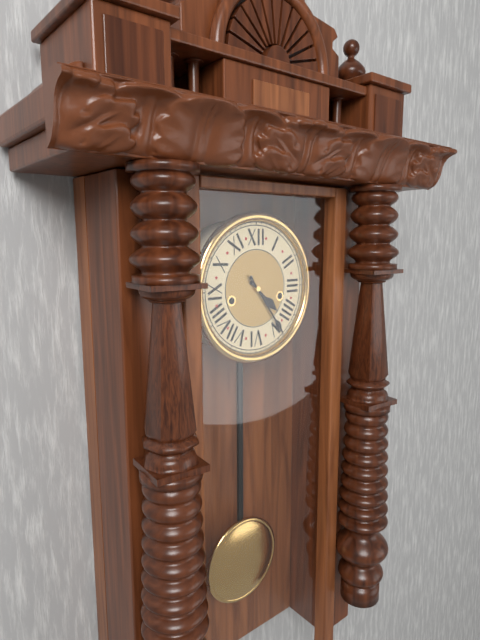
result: 4 h 24 min
